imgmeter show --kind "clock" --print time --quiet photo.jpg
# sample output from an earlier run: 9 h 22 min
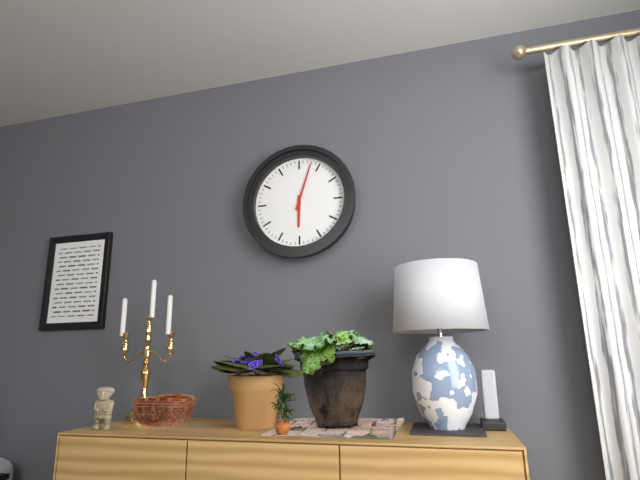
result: 6 h 03 min
